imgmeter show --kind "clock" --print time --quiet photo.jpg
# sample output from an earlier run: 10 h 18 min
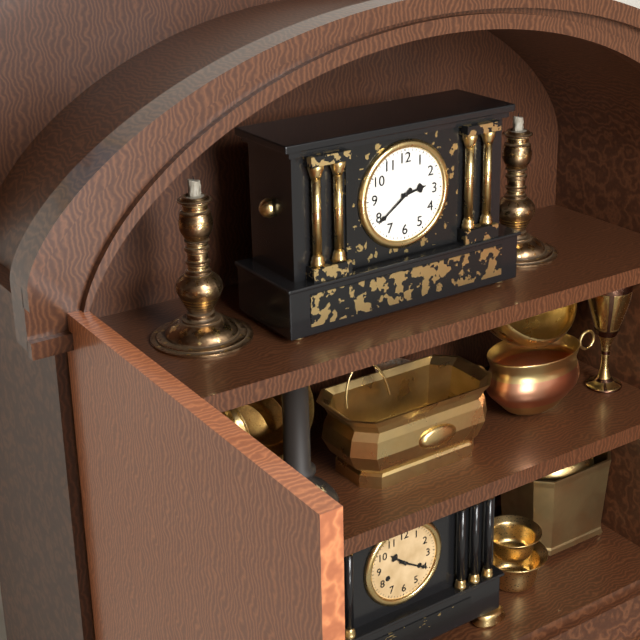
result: 2 h 39 min
